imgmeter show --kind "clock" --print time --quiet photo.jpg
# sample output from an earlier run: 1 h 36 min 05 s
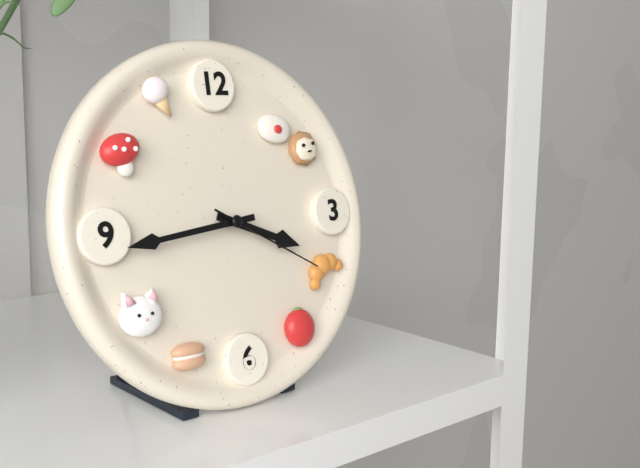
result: 3 h 44 min 20 s
